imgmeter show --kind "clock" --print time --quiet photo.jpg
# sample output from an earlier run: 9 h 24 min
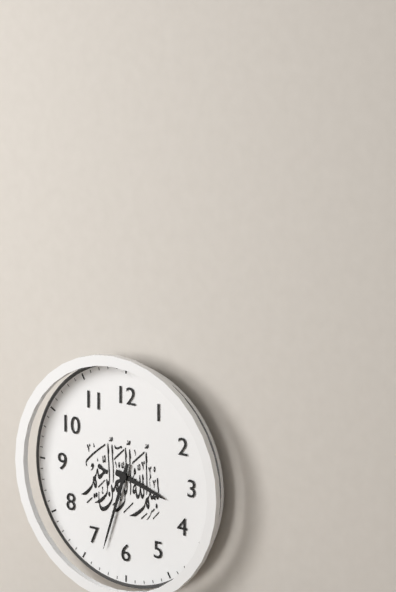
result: 3 h 33 min
